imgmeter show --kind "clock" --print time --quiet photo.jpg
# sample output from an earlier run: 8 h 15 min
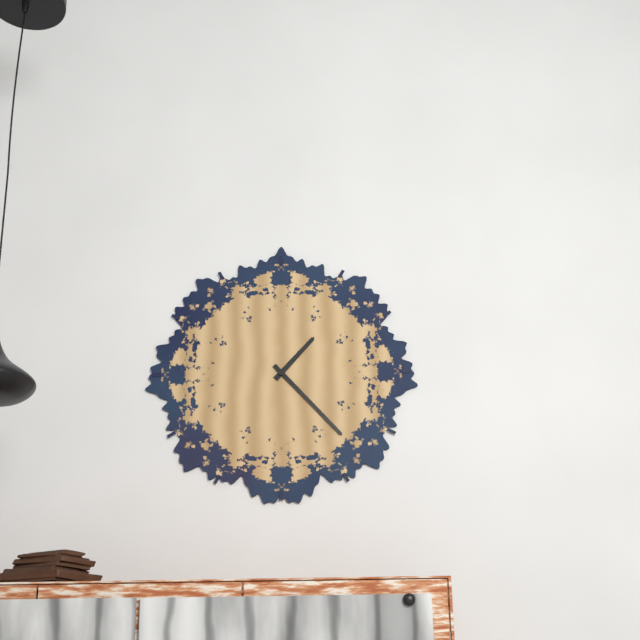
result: 1 h 23 min
